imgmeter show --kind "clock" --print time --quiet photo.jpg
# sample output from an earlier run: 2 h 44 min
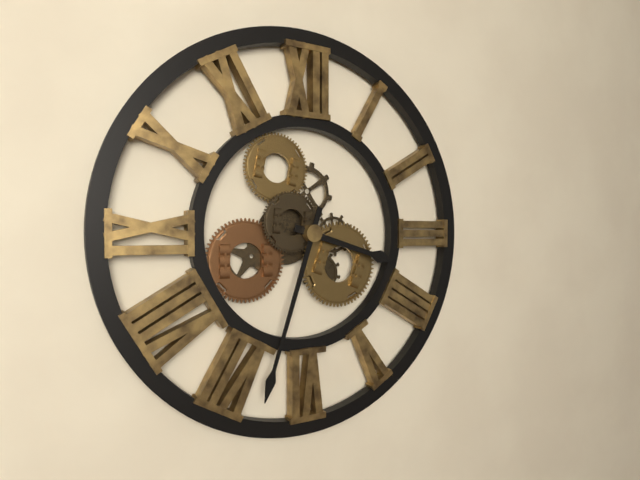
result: 3 h 33 min
